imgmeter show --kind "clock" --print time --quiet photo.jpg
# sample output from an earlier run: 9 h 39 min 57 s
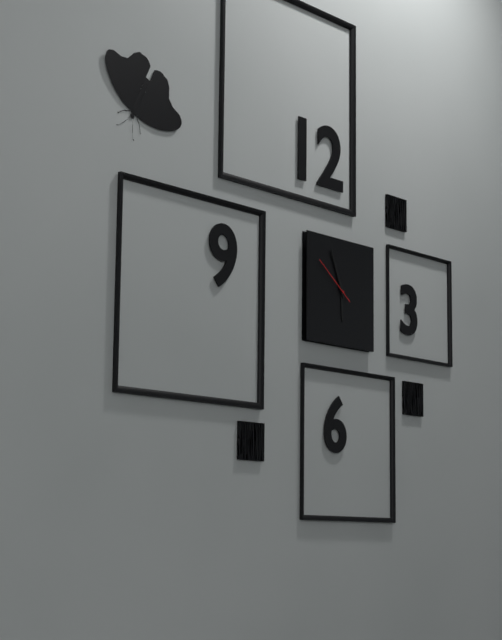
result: 5 h 56 min 51 s
